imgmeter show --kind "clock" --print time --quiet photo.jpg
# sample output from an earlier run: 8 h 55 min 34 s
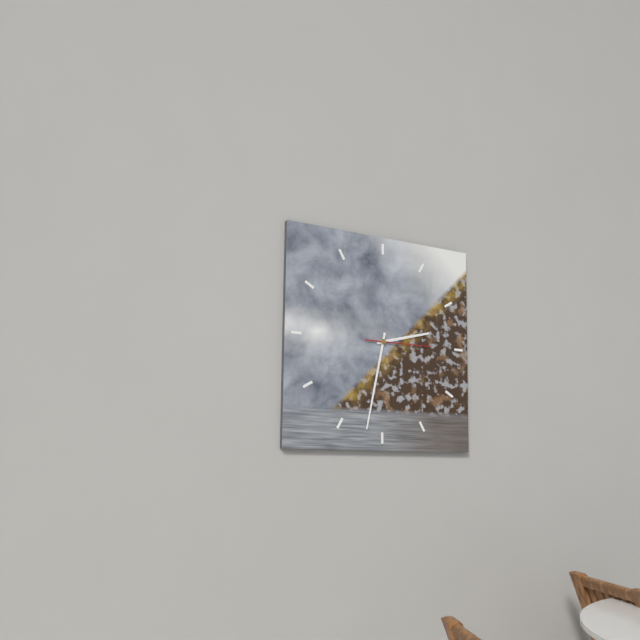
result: 2 h 32 min 15 s
